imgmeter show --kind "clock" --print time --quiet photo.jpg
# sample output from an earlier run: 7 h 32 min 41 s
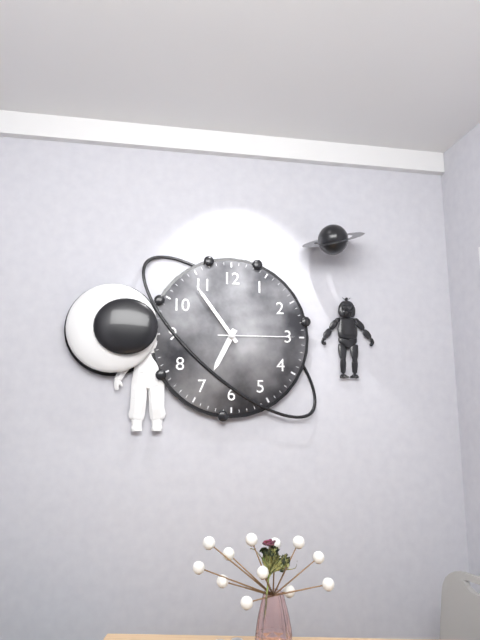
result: 6 h 54 min 15 s
